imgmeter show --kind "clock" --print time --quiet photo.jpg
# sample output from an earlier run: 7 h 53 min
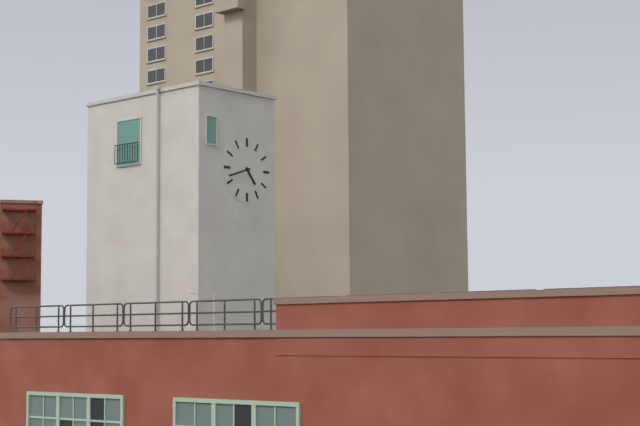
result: 4 h 42 min
